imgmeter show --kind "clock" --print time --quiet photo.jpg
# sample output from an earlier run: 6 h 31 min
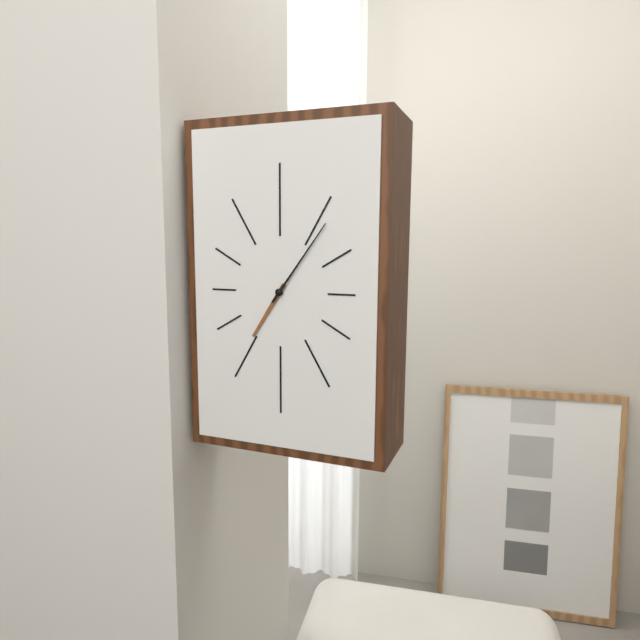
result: 7 h 06 min
